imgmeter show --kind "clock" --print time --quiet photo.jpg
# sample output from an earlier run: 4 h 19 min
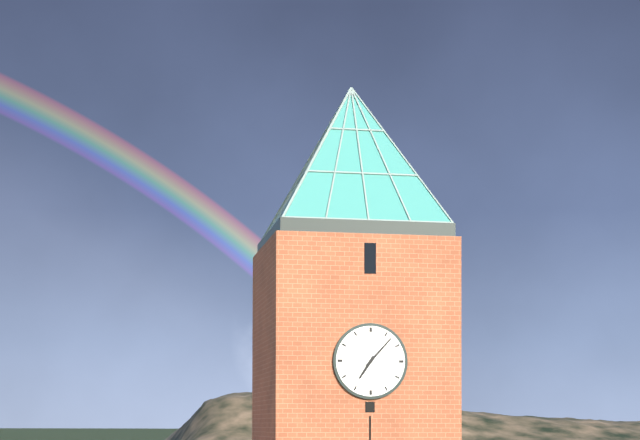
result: 7 h 07 min
